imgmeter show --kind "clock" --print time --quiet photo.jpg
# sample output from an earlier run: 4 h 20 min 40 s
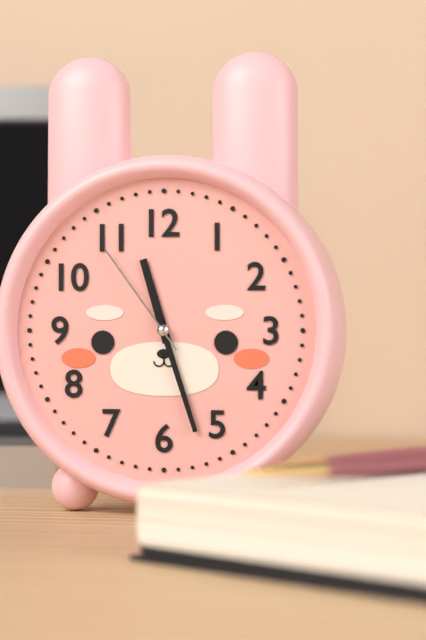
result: 11 h 27 min 54 s
